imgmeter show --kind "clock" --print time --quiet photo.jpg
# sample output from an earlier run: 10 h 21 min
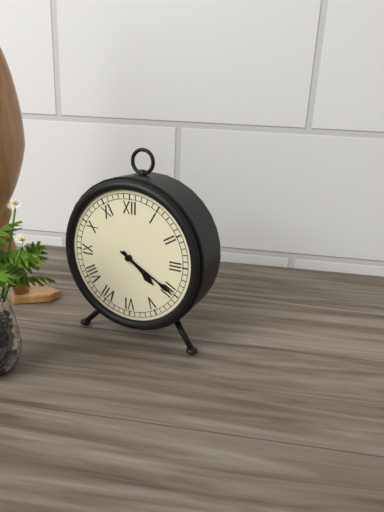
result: 4 h 20 min
